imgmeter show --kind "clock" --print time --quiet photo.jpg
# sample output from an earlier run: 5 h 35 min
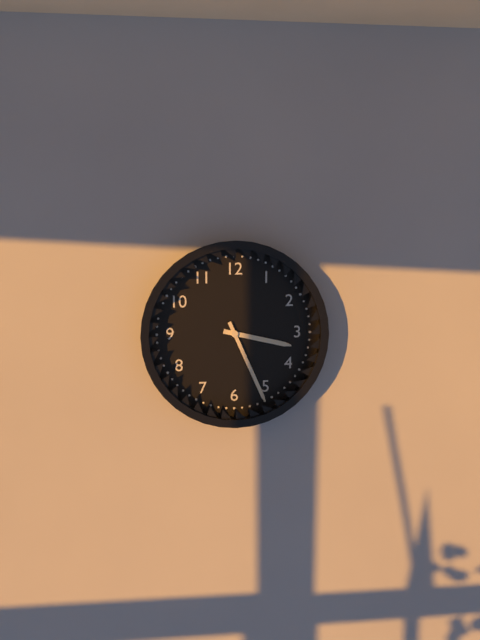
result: 3 h 26 min
